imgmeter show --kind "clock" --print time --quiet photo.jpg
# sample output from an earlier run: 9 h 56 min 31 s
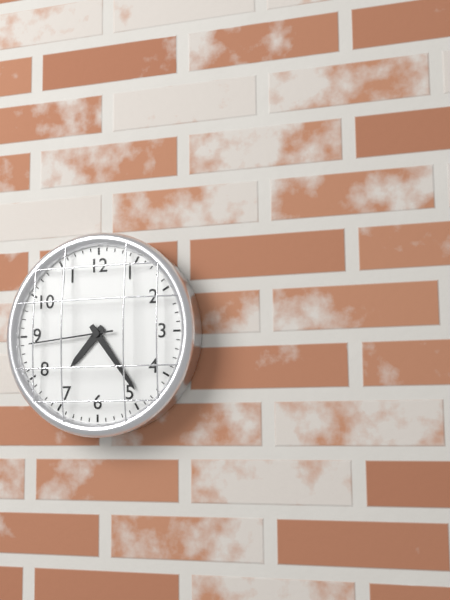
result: 7 h 24 min 44 s
